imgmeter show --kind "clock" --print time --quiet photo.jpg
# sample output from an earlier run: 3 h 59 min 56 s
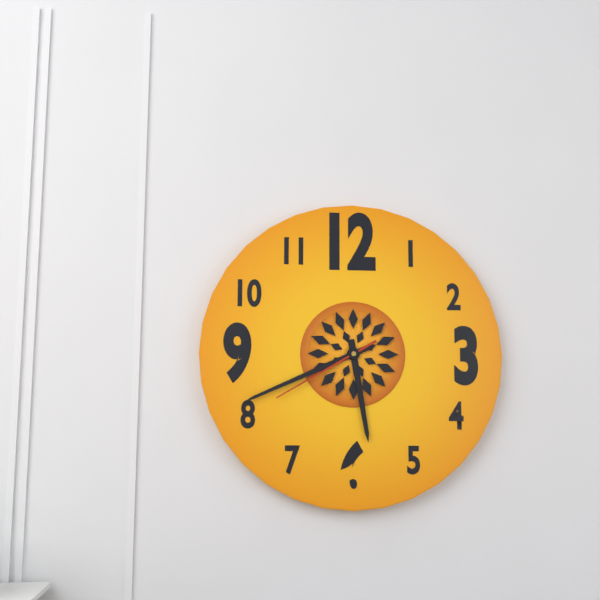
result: 5 h 41 min 40 s
